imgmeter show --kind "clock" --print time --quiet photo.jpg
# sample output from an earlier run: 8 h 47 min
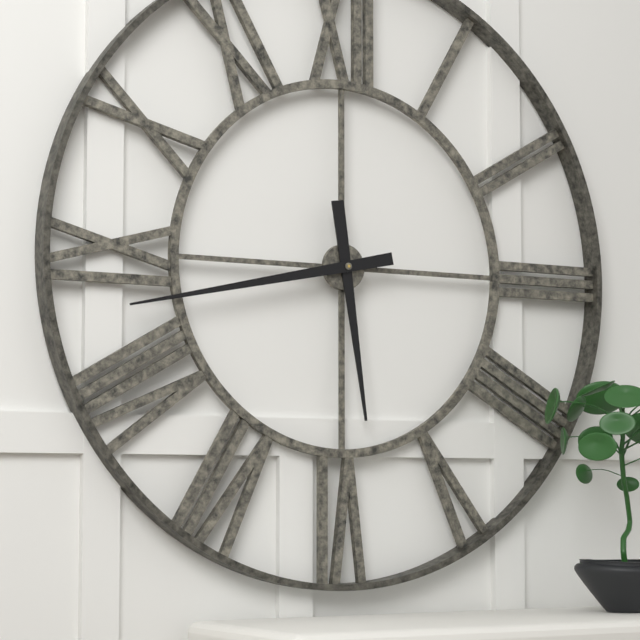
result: 5 h 43 min
